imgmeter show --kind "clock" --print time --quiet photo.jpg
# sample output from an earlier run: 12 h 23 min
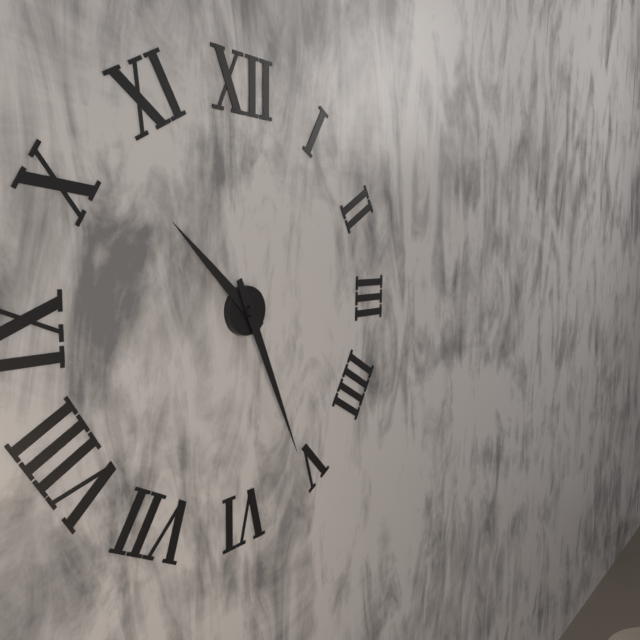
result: 10 h 26 min
